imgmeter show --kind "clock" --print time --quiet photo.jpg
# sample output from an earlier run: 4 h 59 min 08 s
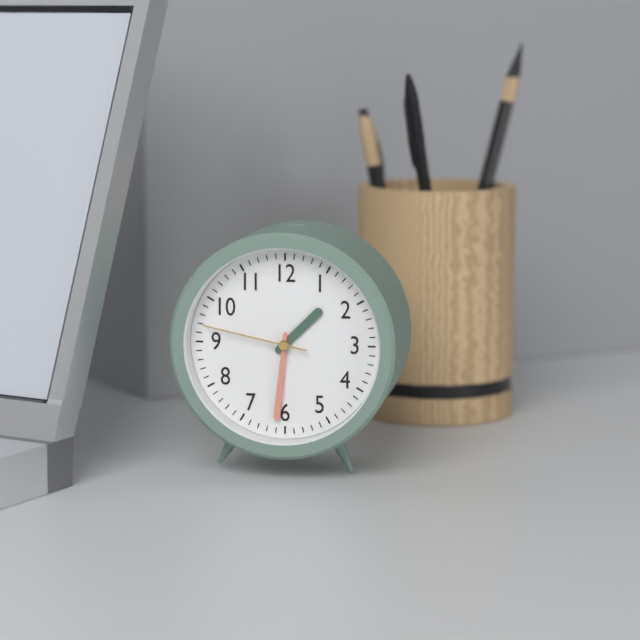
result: 1 h 31 min 47 s
